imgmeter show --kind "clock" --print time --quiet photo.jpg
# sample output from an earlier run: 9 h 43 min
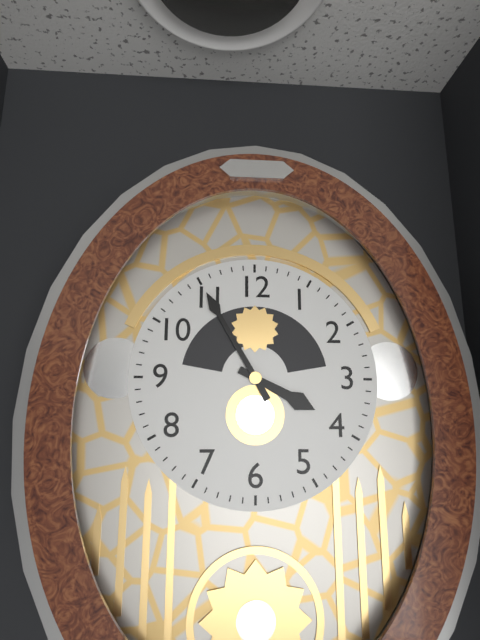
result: 3 h 55 min
